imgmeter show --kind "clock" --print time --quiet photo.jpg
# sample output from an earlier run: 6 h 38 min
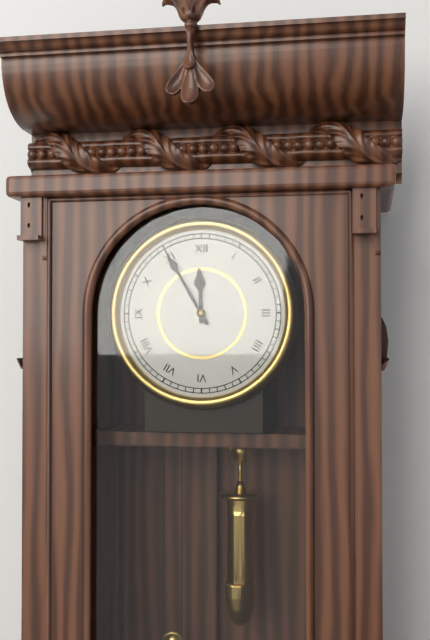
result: 11 h 55 min
